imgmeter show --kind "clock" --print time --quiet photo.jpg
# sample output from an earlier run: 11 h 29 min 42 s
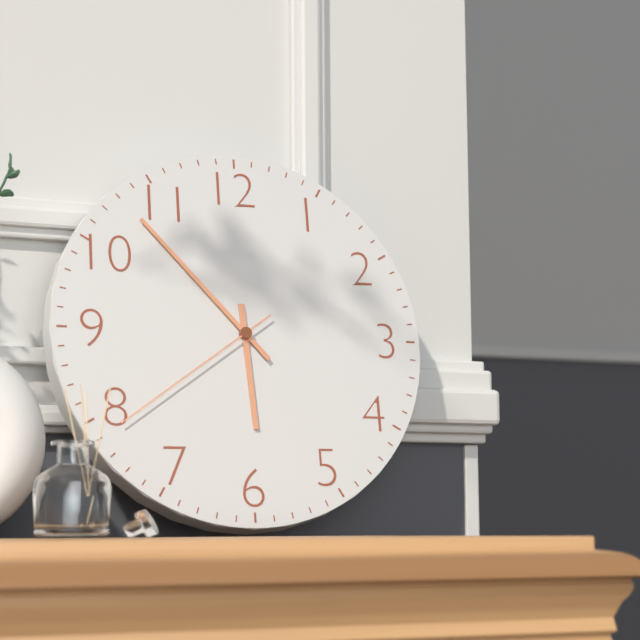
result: 5 h 53 min 39 s
